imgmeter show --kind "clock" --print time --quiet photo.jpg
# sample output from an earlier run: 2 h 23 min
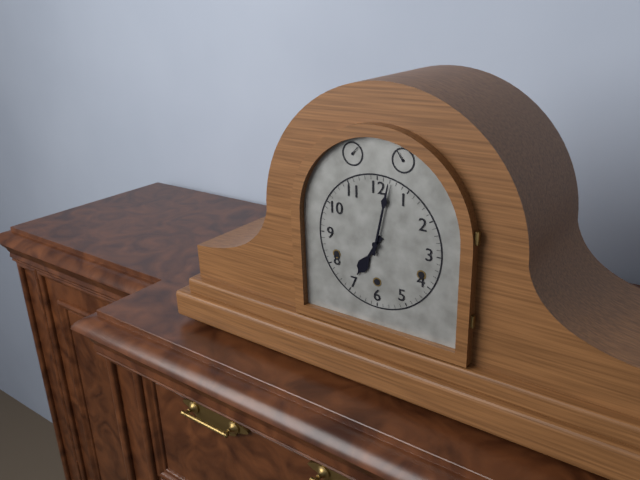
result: 7 h 02 min
